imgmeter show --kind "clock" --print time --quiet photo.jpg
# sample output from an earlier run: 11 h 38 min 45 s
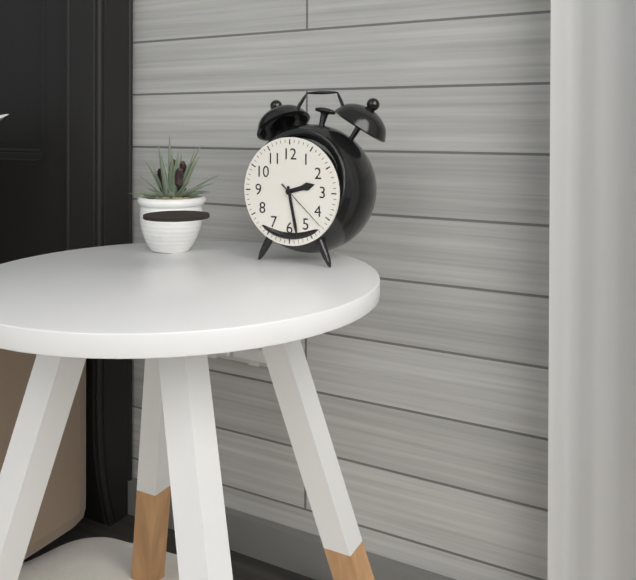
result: 2 h 28 min 22 s
